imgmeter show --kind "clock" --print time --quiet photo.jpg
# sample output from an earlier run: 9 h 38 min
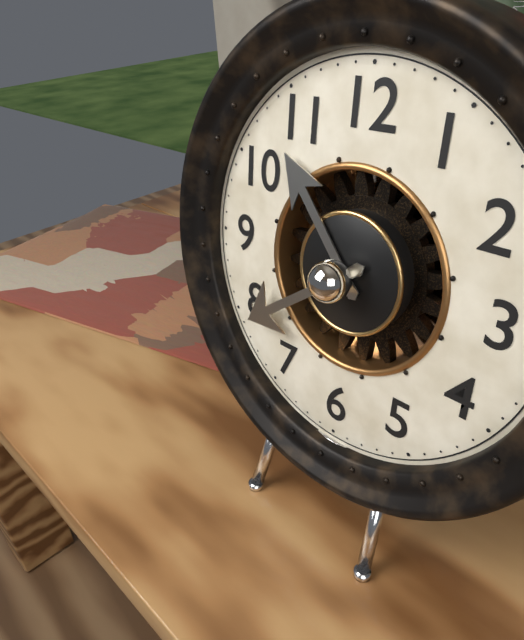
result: 10 h 39 min
